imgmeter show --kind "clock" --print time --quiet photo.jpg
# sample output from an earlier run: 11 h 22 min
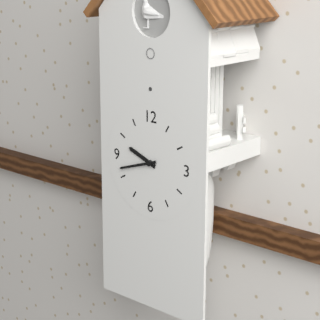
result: 9 h 42 min
